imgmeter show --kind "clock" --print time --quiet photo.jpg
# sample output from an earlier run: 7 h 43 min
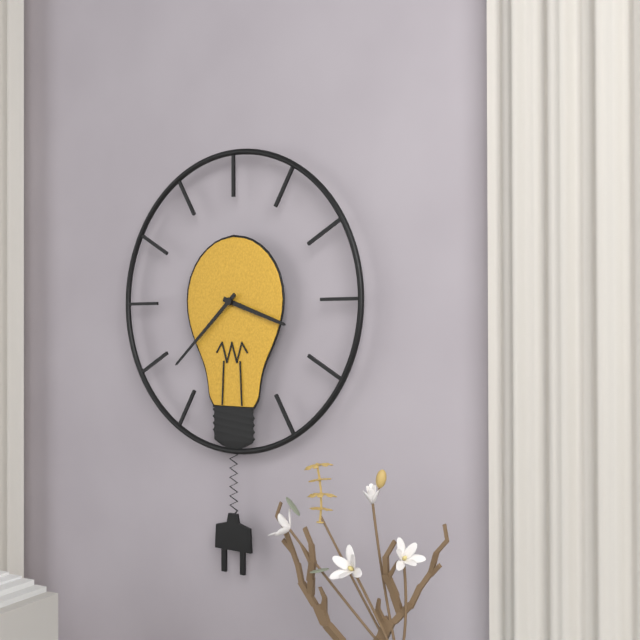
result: 3 h 38 min
